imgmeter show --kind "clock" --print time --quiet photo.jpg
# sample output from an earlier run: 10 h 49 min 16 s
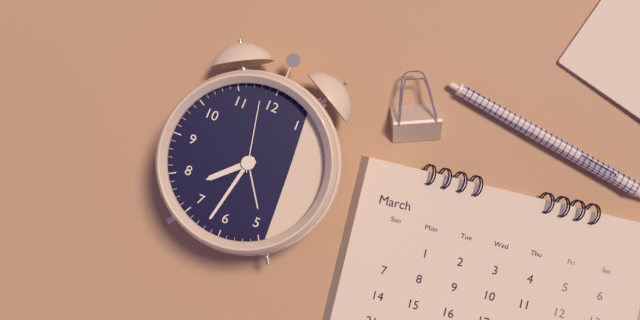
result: 7 h 32 min 58 s
